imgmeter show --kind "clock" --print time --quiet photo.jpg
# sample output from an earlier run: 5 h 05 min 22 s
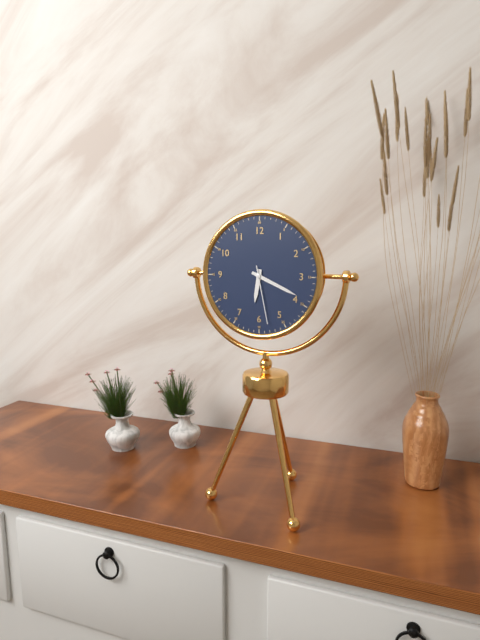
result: 6 h 19 min 28 s
